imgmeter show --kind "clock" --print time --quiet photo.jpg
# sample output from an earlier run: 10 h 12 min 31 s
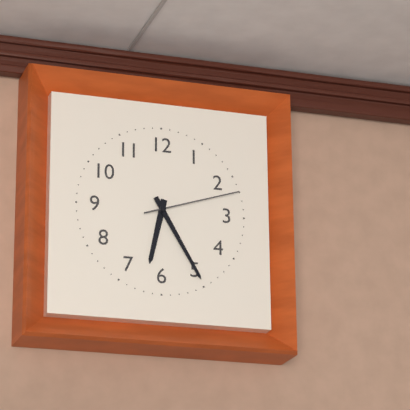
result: 6 h 25 min 12 s
